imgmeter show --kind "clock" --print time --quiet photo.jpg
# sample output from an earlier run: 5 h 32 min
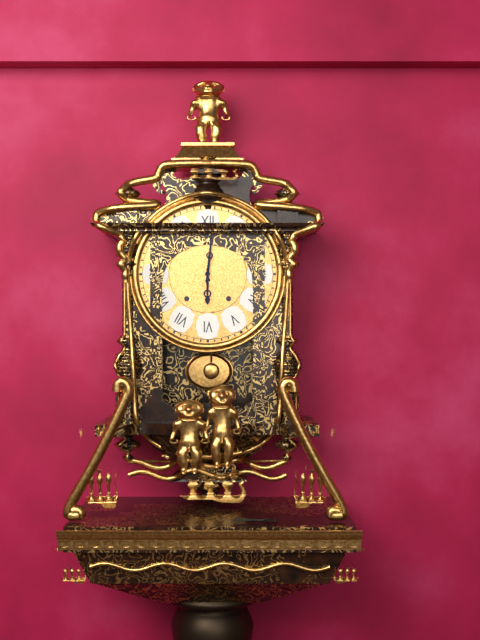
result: 6 h 01 min
